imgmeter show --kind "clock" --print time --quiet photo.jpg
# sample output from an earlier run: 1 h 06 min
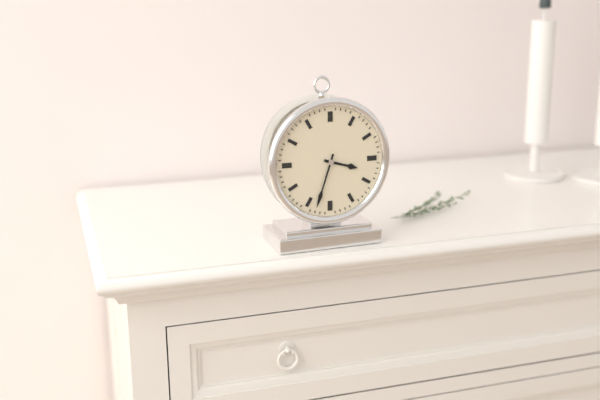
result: 3 h 33 min
